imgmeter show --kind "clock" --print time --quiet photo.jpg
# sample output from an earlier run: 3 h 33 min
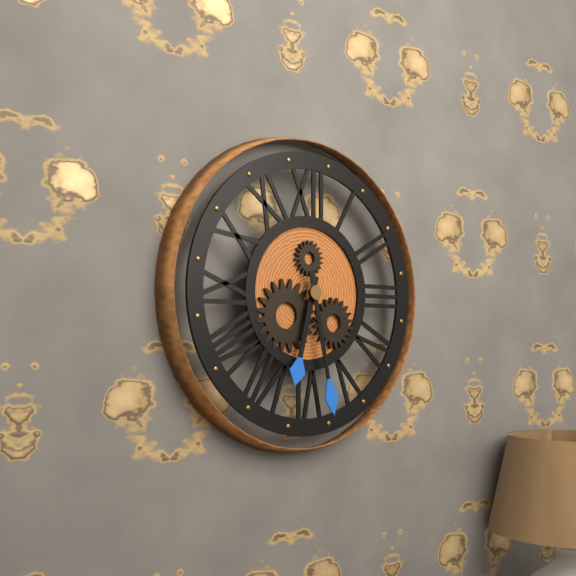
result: 6 h 28 min
